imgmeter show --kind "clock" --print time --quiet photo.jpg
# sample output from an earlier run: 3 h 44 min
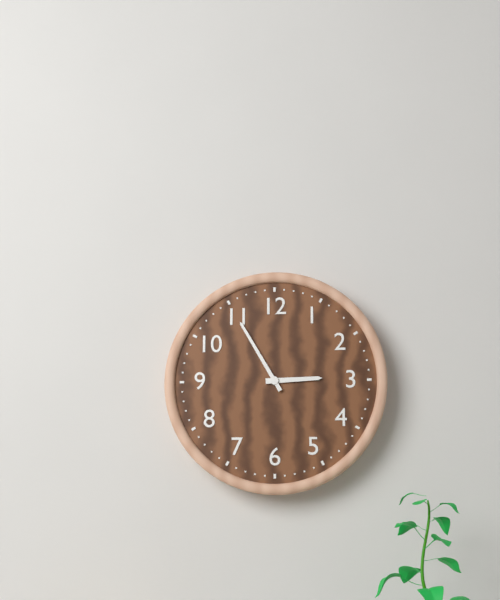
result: 2 h 55 min
